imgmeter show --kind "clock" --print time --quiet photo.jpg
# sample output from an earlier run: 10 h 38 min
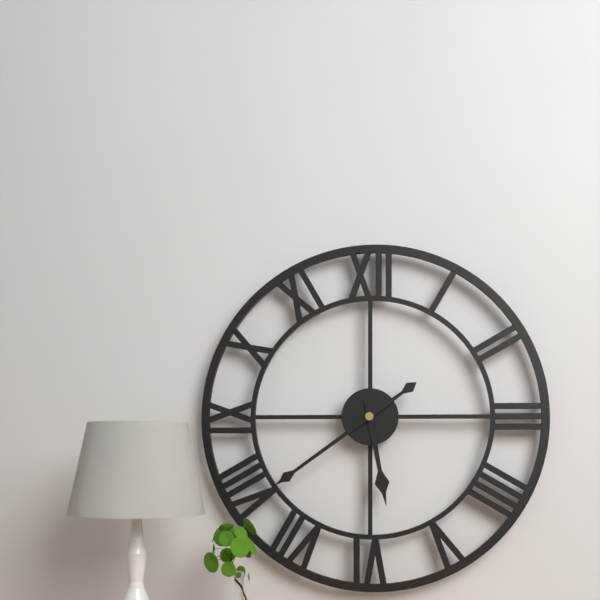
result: 5 h 39 min
